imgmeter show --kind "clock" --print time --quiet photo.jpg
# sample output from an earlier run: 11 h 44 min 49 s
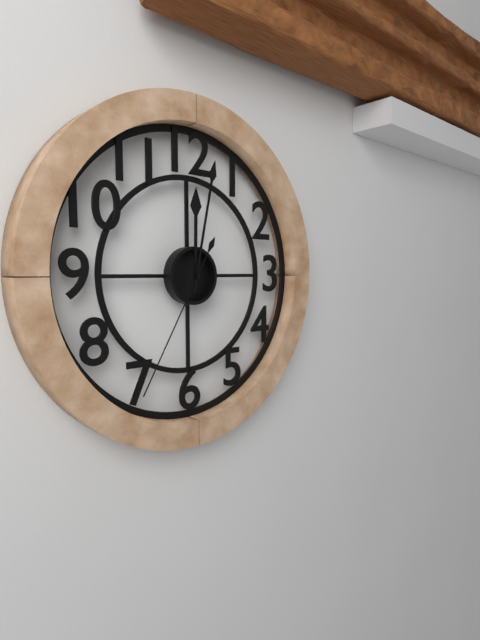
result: 12 h 02 min 35 s
